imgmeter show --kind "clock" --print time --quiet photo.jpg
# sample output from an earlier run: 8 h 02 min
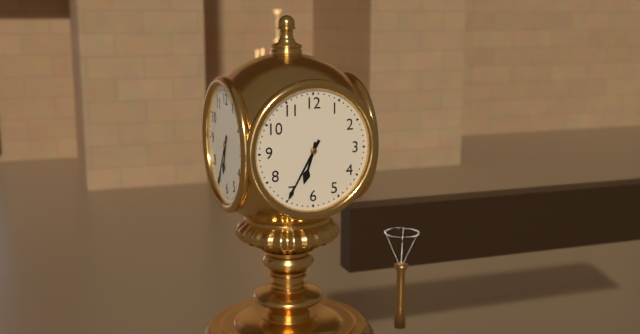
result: 6 h 35 min
